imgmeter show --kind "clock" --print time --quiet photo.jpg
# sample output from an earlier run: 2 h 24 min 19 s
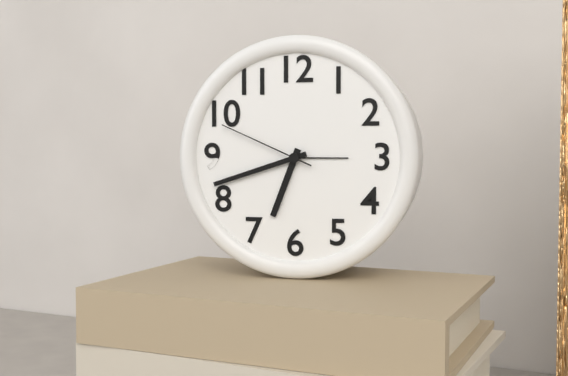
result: 6 h 42 min 49 s
